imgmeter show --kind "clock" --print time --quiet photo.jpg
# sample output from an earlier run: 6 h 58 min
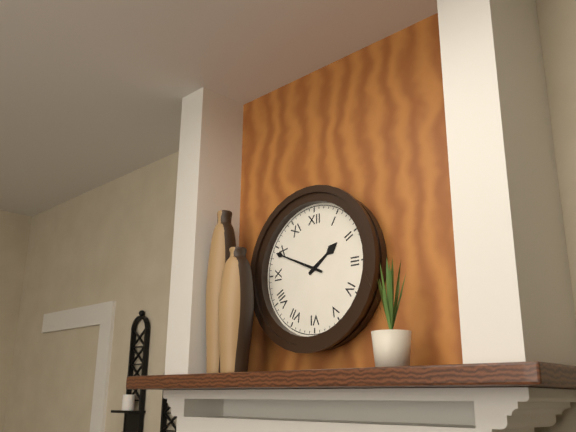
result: 1 h 49 min
